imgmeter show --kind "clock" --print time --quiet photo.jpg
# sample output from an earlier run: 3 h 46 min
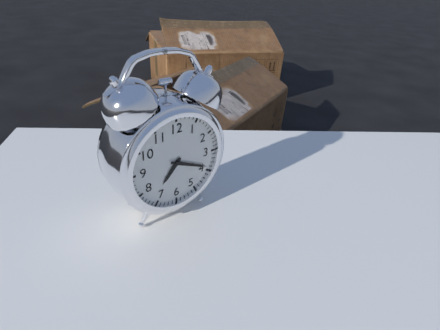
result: 7 h 19 min
